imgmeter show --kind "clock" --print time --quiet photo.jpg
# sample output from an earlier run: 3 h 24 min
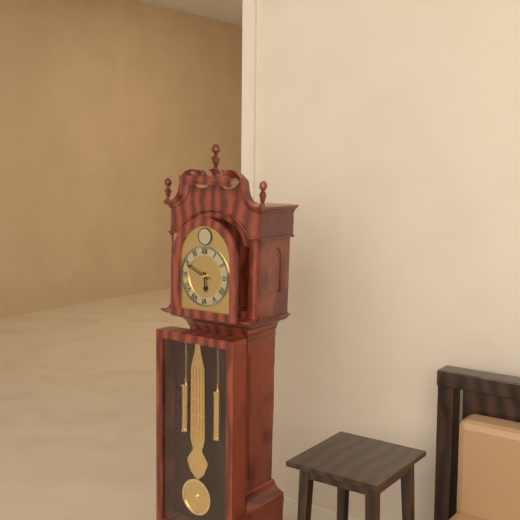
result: 5 h 49 min
